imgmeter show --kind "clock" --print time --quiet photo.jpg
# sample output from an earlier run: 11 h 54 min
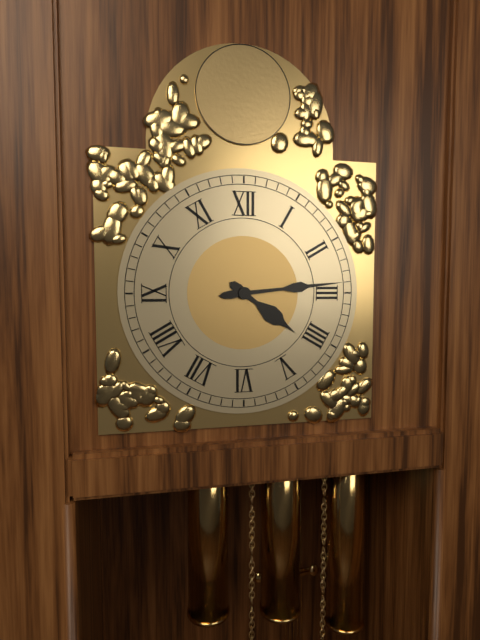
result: 4 h 14 min
